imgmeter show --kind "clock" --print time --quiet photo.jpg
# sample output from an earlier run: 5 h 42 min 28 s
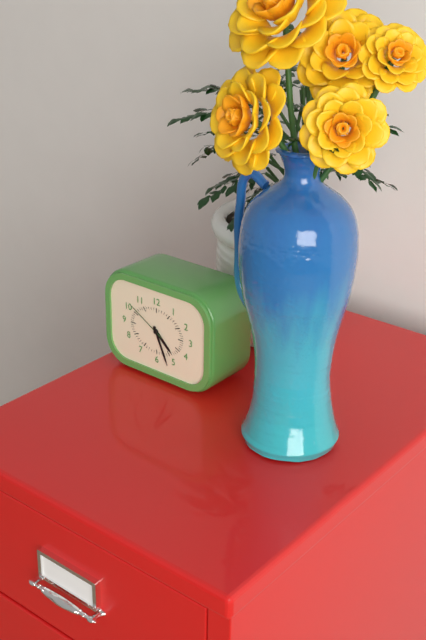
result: 4 h 26 min 50 s
